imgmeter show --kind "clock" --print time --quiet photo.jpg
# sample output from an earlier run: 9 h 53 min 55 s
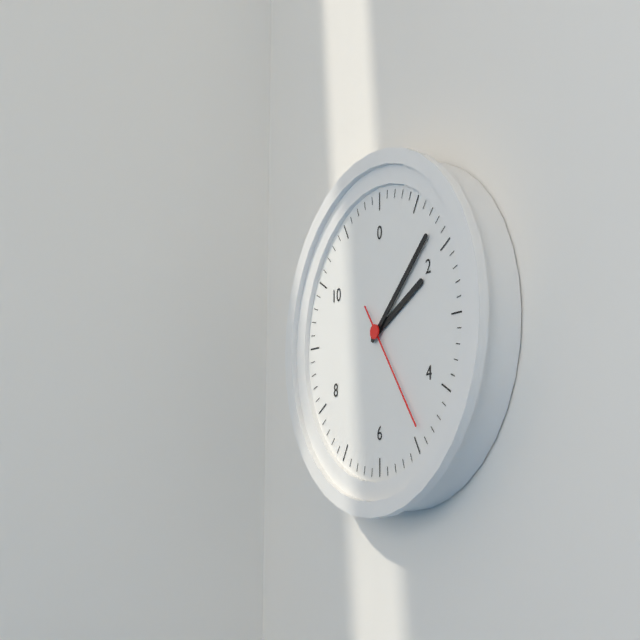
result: 2 h 08 min 24 s
